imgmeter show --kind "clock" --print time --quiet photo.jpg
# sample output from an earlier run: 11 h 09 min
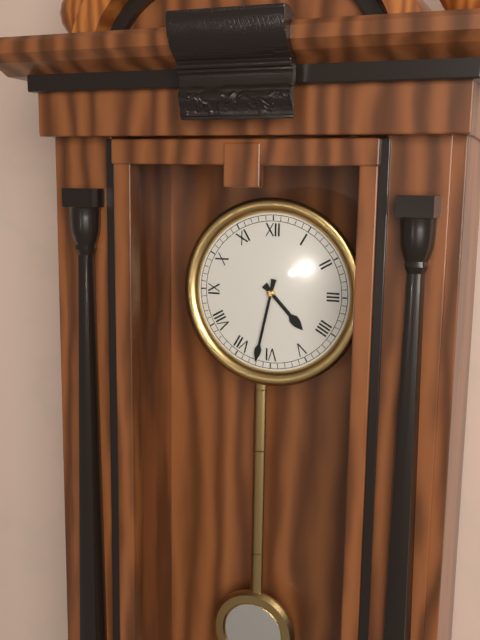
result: 4 h 32 min
